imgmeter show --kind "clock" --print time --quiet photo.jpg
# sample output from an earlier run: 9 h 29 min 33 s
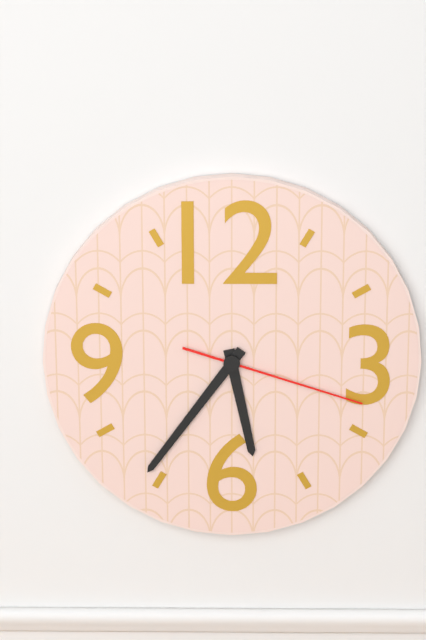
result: 5 h 36 min 18 s
